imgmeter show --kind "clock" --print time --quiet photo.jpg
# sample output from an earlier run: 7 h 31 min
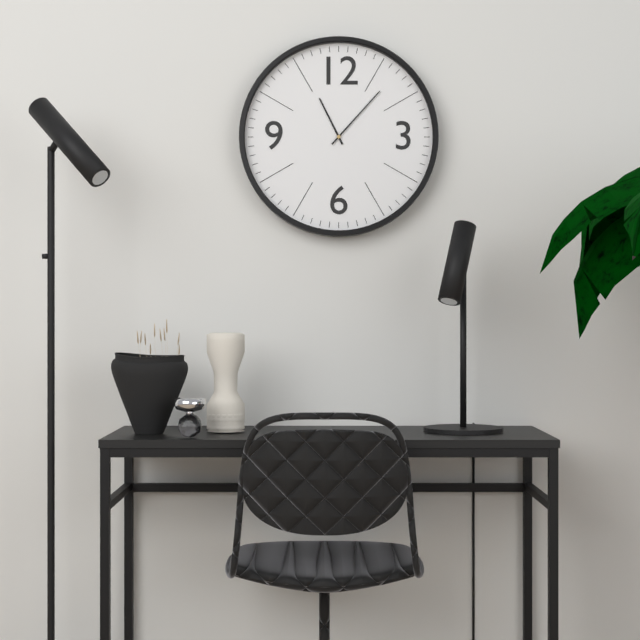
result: 11 h 07 min
